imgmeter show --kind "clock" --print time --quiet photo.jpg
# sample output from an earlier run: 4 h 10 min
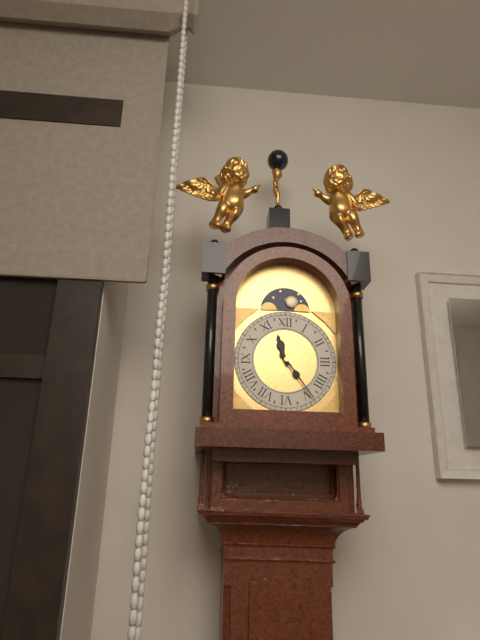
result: 11 h 24 min
